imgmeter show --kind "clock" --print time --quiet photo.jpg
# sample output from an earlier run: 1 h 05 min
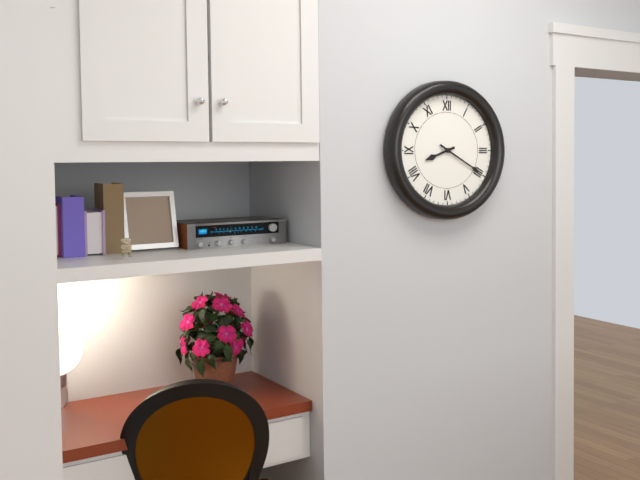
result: 8 h 20 min
